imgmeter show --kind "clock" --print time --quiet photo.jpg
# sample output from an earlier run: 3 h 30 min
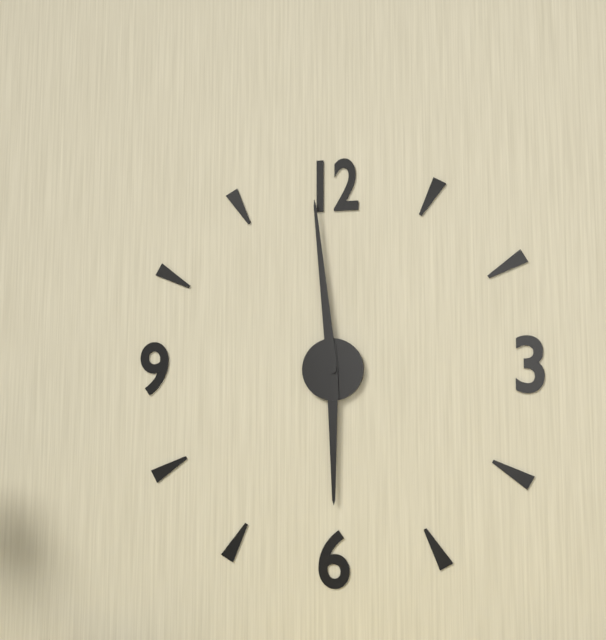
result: 5 h 59 min
